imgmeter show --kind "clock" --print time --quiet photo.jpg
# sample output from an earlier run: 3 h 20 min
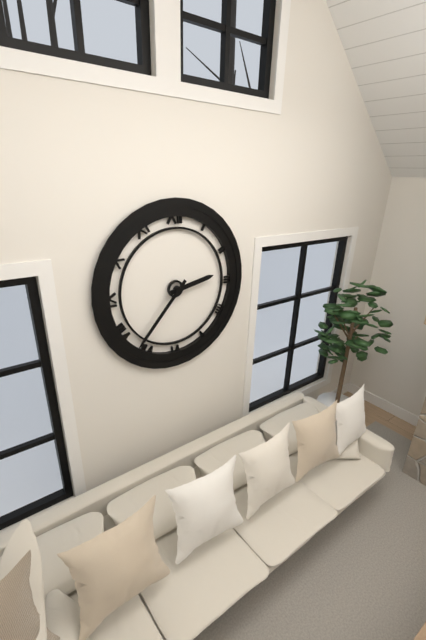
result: 2 h 37 min
